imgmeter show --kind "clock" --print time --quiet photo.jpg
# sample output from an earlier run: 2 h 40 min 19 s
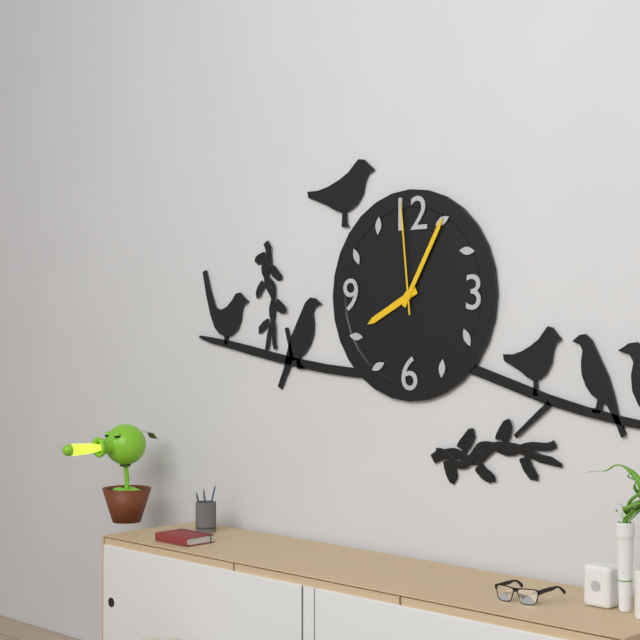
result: 8 h 05 min 59 s
